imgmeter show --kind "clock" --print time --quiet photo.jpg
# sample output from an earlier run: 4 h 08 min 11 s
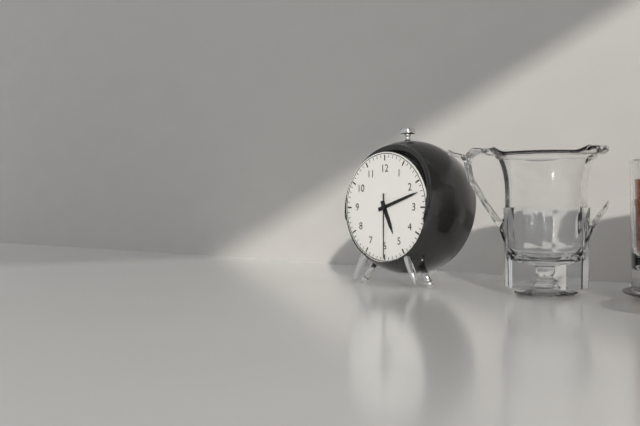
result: 5 h 12 min 30 s
